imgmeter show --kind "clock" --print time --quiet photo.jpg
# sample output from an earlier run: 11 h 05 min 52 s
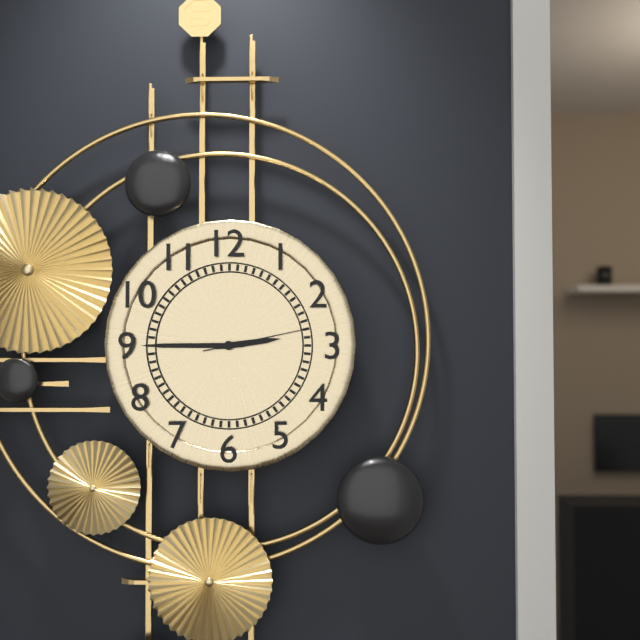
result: 2 h 45 min 13 s
